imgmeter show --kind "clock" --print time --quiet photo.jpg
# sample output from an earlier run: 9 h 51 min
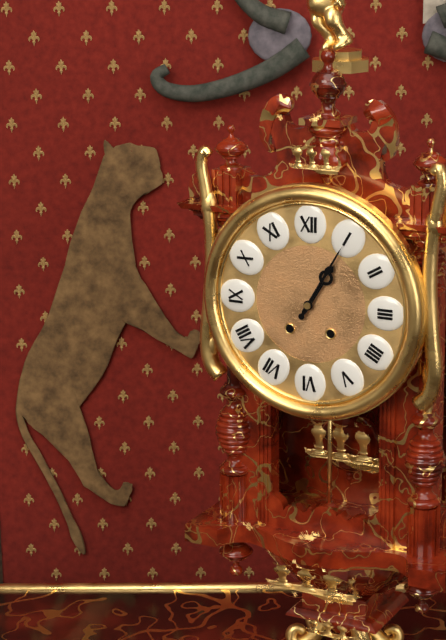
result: 1 h 05 min
